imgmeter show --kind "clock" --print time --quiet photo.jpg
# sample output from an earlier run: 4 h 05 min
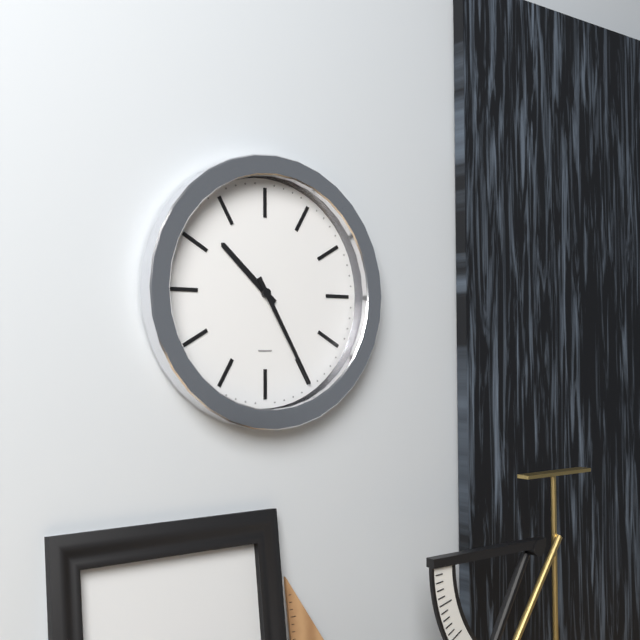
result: 10 h 25 min
